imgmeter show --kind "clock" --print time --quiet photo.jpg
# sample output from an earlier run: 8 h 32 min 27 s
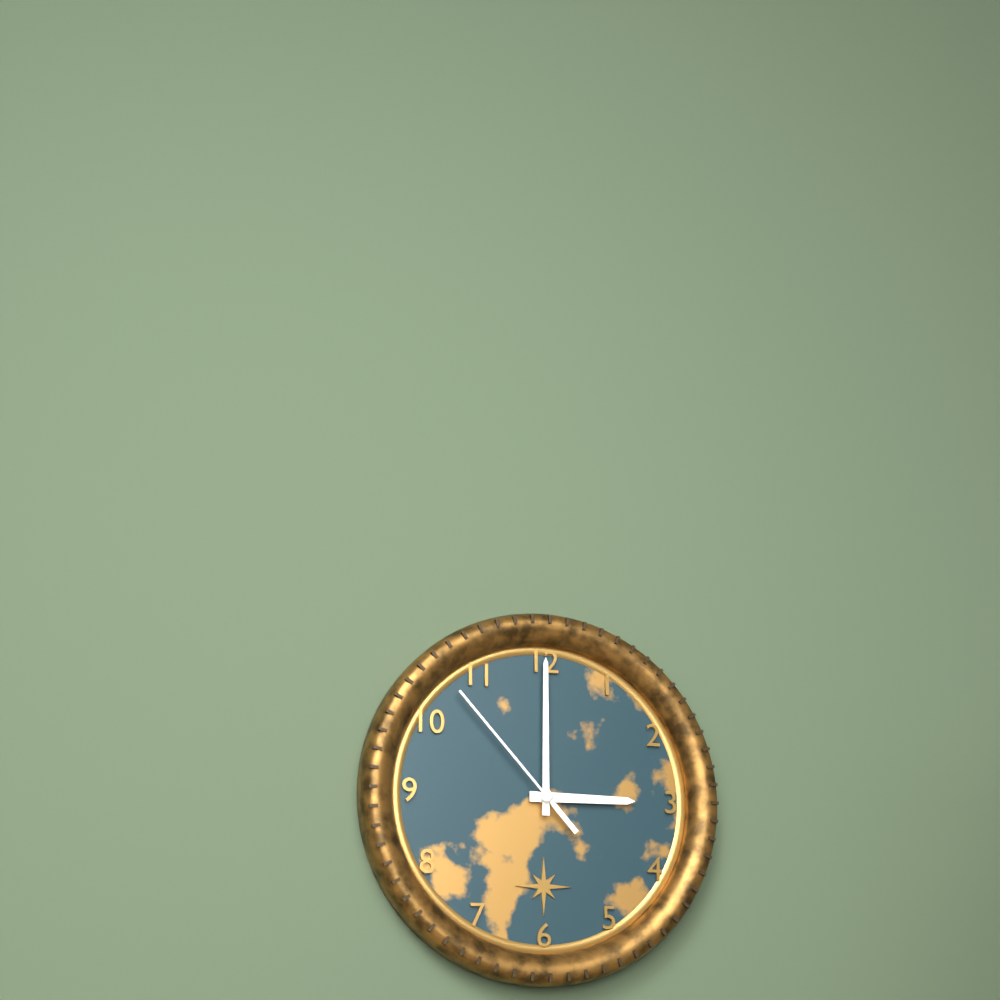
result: 3 h 00 min 53 s
